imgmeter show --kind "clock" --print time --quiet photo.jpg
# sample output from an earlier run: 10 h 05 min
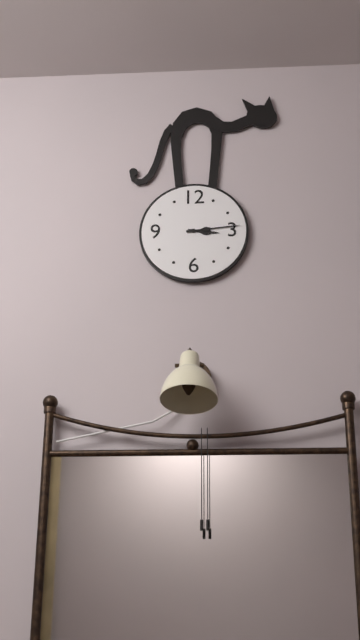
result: 3 h 14 min
